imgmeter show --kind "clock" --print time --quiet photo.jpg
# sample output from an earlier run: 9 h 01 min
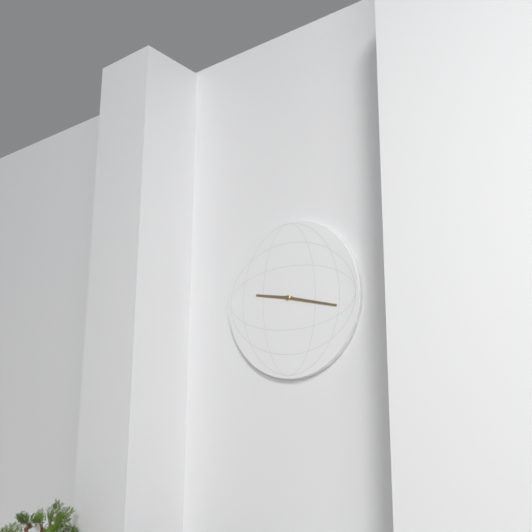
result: 9 h 17 min
